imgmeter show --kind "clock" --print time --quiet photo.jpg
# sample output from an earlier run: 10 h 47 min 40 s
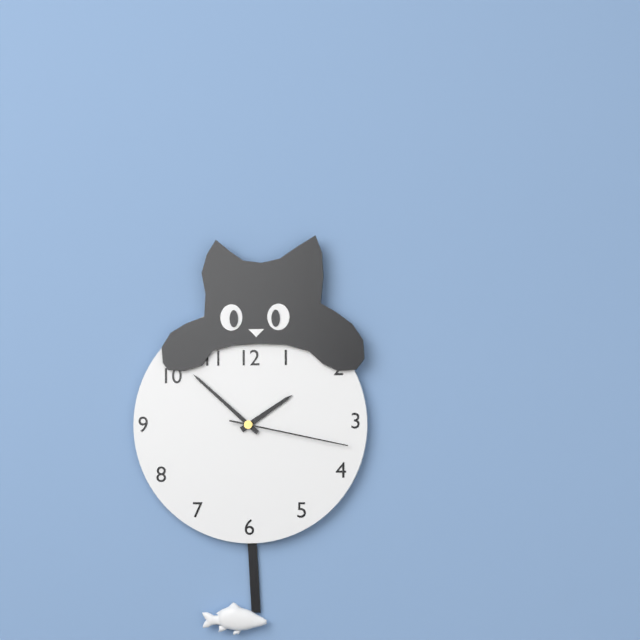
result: 1 h 52 min 17 s
